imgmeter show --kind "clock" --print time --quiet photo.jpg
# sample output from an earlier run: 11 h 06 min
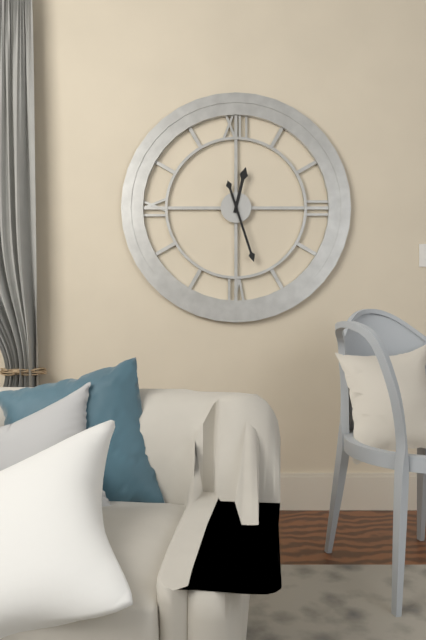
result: 12 h 27 min
